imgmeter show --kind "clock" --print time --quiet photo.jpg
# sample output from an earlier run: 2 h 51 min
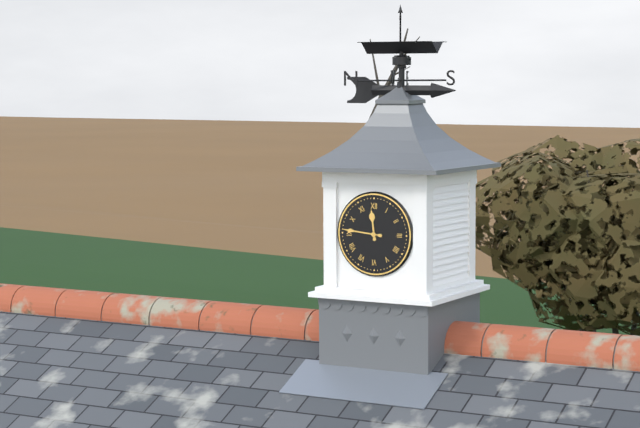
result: 11 h 46 min
